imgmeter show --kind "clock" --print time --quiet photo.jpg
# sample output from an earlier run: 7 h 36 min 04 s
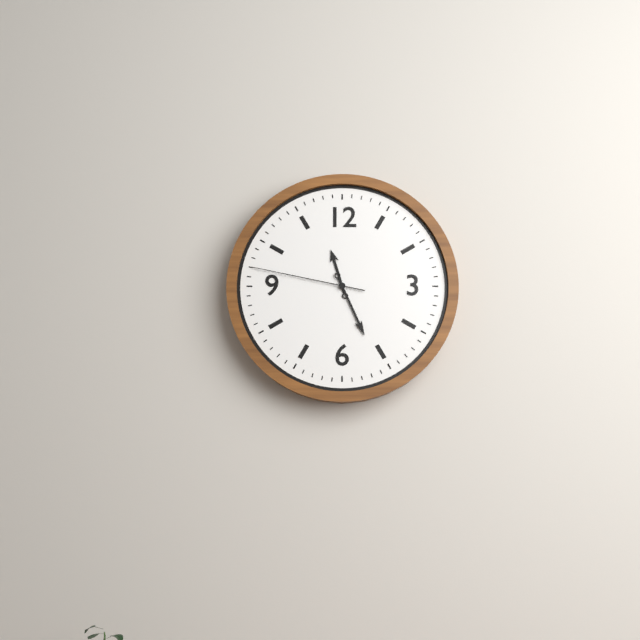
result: 11 h 26 min 47 s
